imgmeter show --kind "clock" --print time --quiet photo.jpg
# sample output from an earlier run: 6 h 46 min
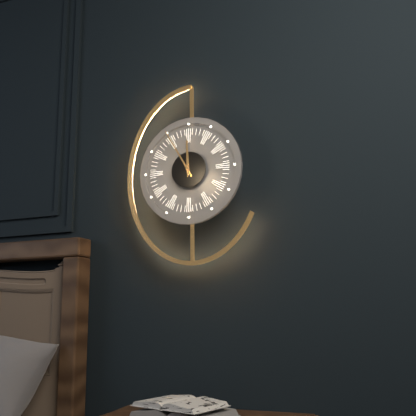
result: 11 h 55 min
